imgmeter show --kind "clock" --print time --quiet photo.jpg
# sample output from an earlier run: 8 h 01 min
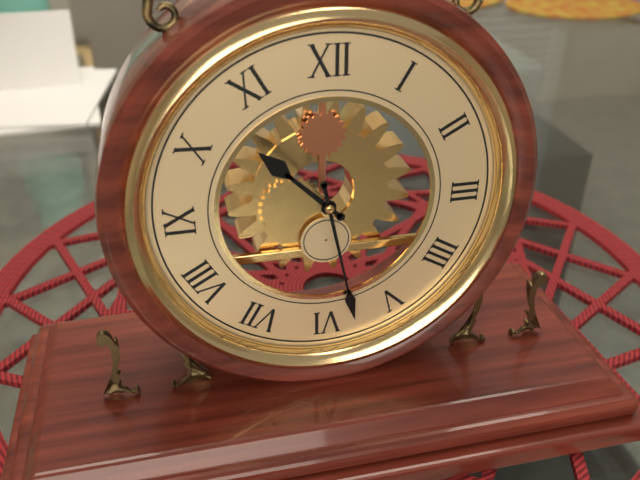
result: 10 h 28 min
